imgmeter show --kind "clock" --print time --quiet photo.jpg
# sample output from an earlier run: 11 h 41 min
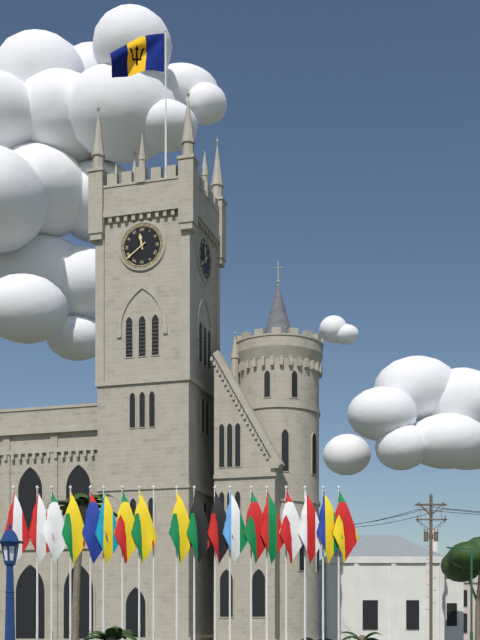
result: 11 h 39 min
